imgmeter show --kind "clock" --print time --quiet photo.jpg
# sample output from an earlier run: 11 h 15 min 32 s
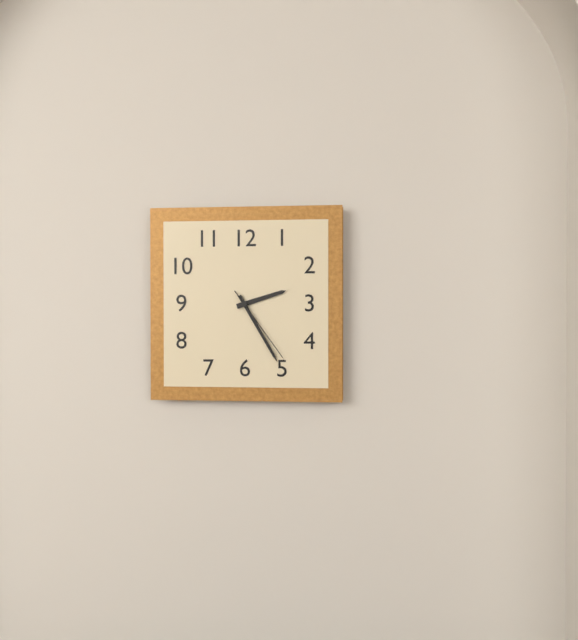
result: 2 h 25 min 24 s
